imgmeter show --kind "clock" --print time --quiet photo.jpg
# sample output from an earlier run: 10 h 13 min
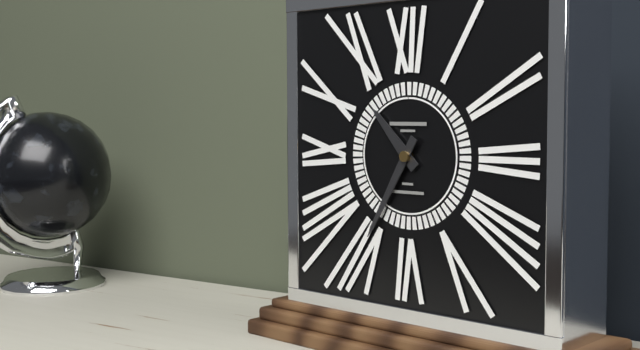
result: 10 h 35 min
